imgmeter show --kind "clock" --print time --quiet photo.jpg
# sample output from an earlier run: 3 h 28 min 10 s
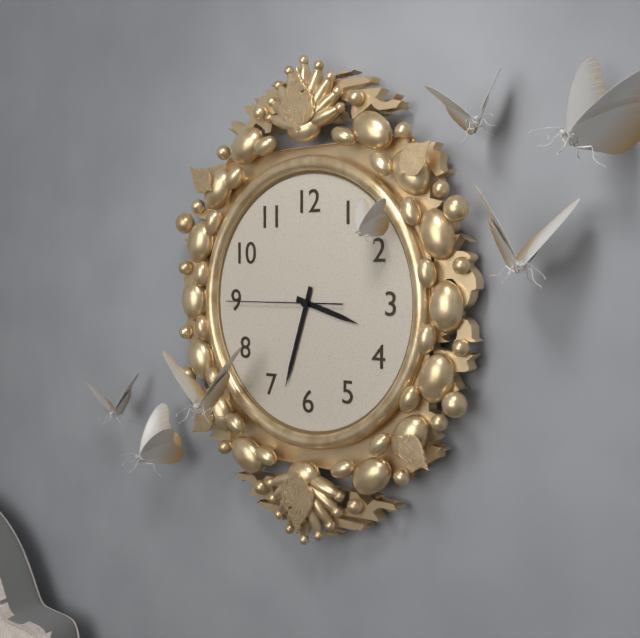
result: 3 h 33 min 45 s
